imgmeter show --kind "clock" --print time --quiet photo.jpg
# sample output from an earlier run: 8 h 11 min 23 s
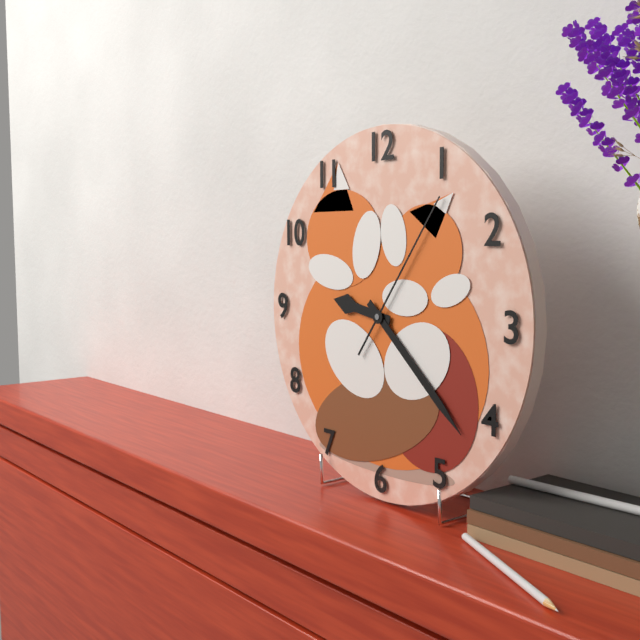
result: 9 h 22 min 06 s
